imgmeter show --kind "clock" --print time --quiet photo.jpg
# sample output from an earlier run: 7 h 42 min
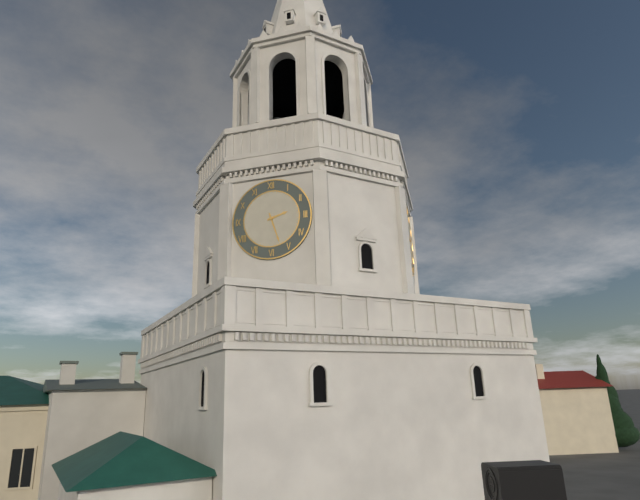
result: 2 h 27 min
